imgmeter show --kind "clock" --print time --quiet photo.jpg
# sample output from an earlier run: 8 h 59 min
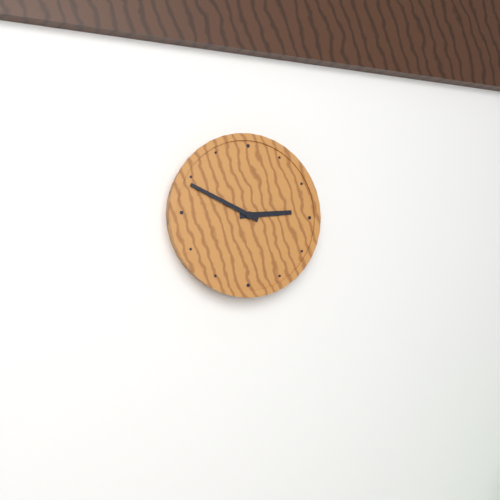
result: 2 h 49 min
